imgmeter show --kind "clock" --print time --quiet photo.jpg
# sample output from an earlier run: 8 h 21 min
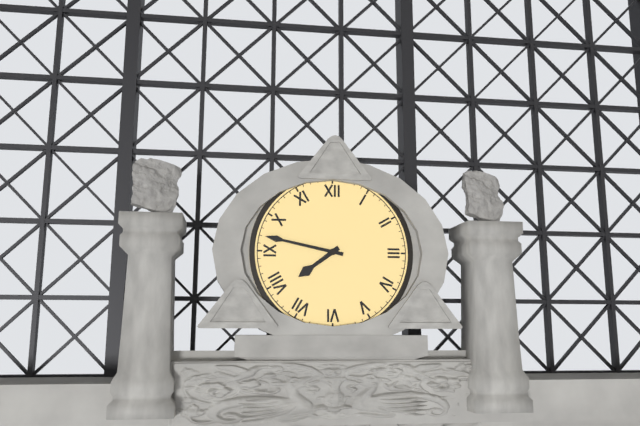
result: 7 h 47 min
